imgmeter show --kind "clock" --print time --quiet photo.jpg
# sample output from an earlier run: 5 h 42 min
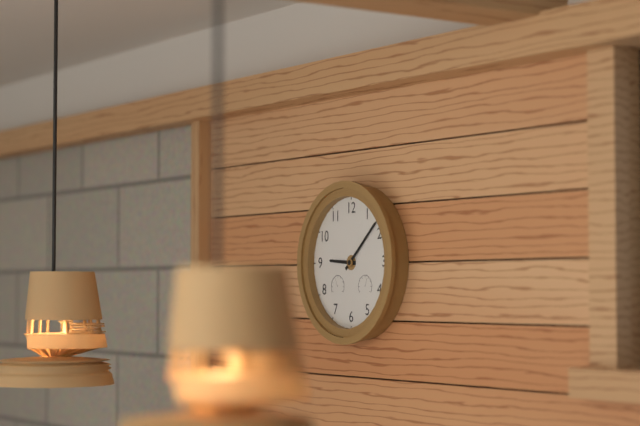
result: 9 h 08 min
